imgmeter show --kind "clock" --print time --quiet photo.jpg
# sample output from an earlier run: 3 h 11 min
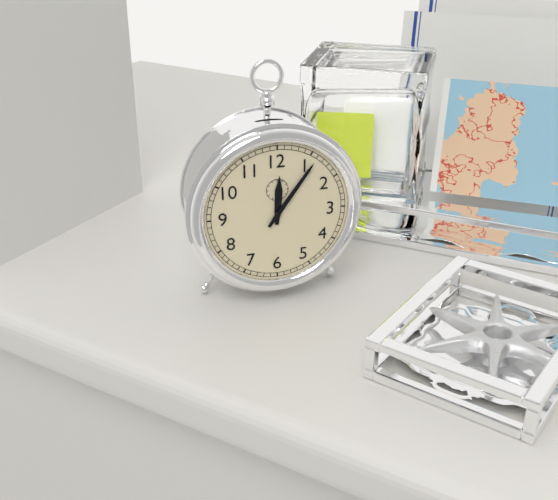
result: 12 h 06 min
